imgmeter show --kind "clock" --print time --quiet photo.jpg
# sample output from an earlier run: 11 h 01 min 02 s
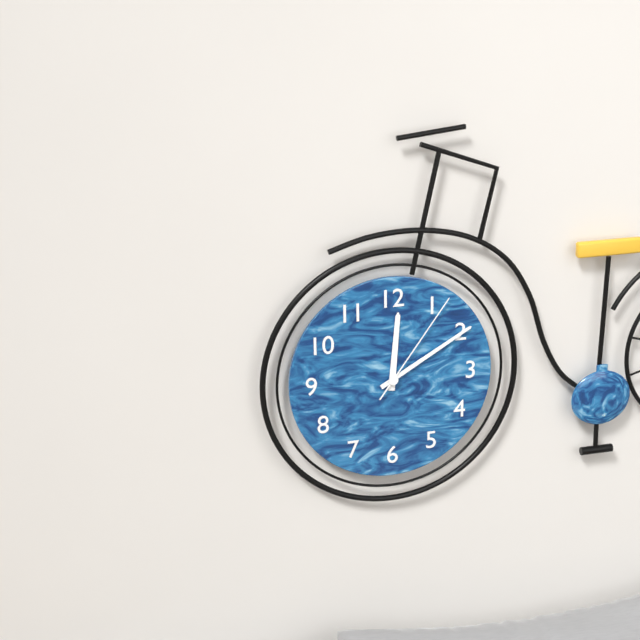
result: 12 h 10 min 06 s
